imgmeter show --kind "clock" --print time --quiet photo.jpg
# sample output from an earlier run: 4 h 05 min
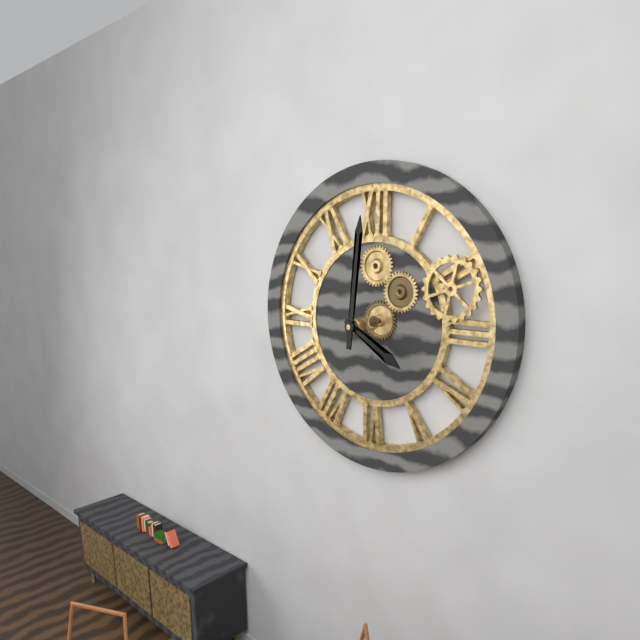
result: 4 h 01 min
